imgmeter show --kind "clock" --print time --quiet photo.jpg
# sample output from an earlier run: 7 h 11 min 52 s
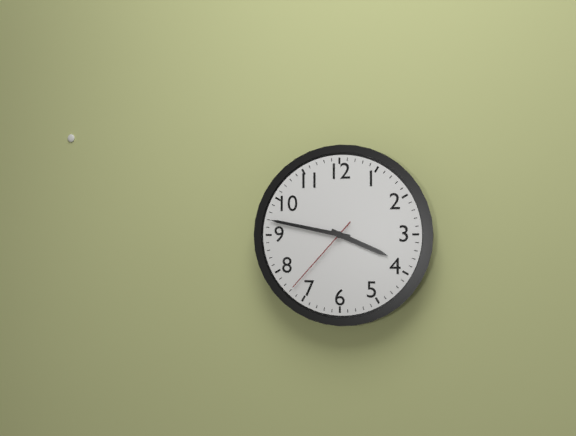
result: 3 h 47 min 37 s
